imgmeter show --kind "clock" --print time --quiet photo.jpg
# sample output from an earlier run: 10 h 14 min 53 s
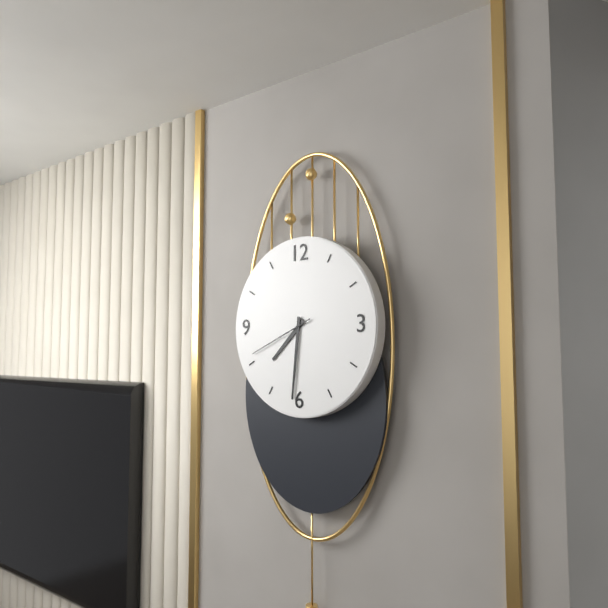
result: 7 h 31 min 41 s
